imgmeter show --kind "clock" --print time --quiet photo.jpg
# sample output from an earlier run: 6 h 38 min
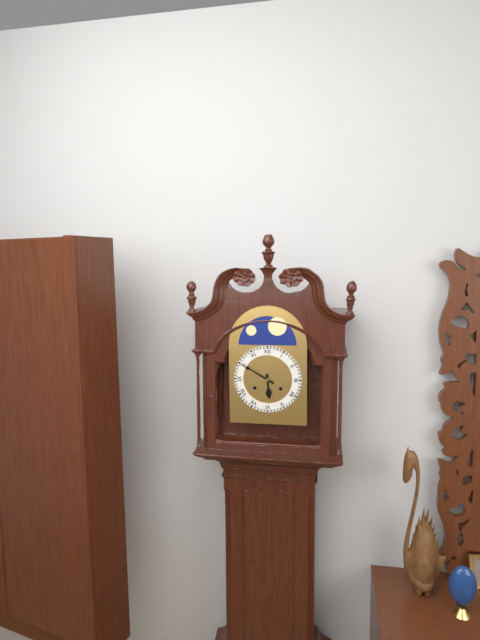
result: 5 h 50 min
